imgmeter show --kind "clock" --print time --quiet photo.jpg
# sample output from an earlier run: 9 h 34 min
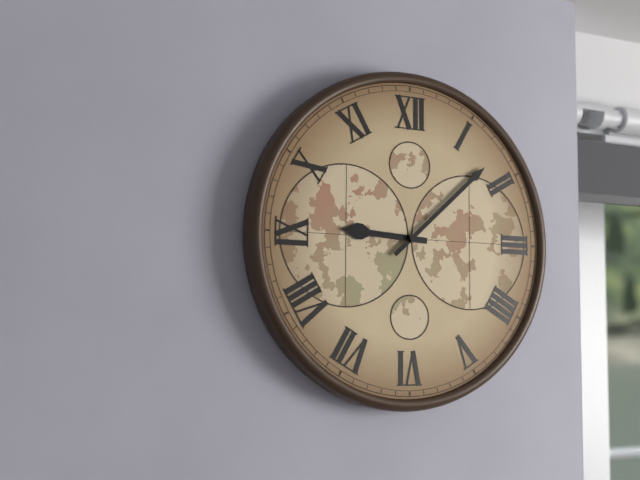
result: 9 h 08 min
